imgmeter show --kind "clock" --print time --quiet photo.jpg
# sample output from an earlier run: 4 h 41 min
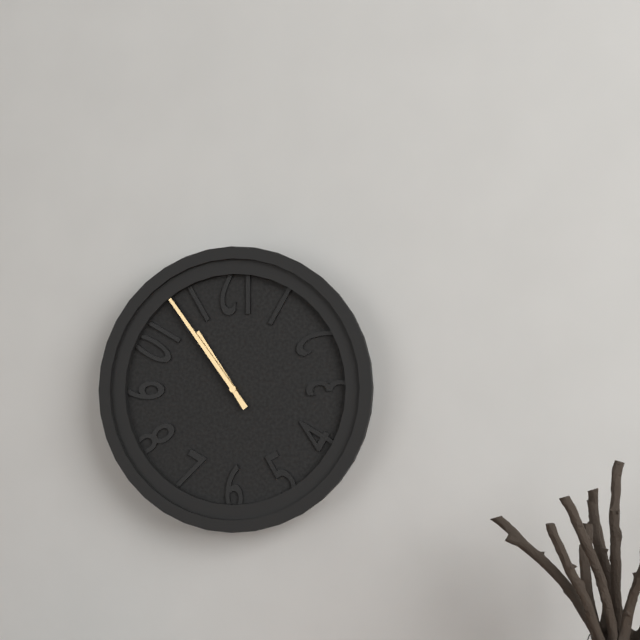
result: 10 h 54 min
